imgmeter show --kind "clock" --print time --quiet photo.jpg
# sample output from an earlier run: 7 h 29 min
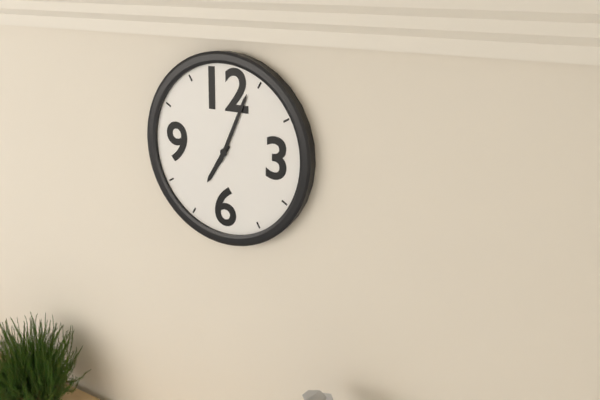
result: 7 h 04 min
